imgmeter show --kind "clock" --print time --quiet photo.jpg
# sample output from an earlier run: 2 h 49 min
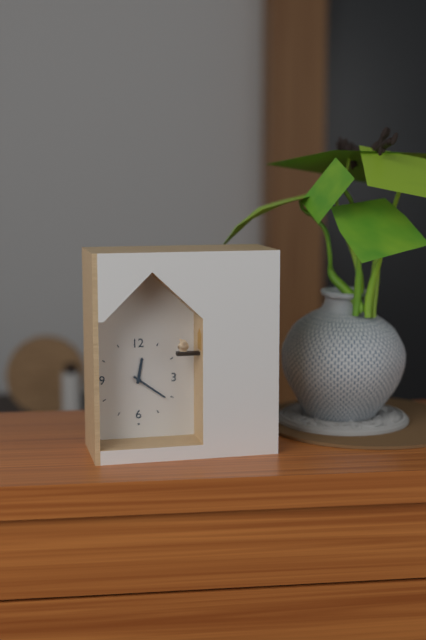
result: 12 h 21 min
